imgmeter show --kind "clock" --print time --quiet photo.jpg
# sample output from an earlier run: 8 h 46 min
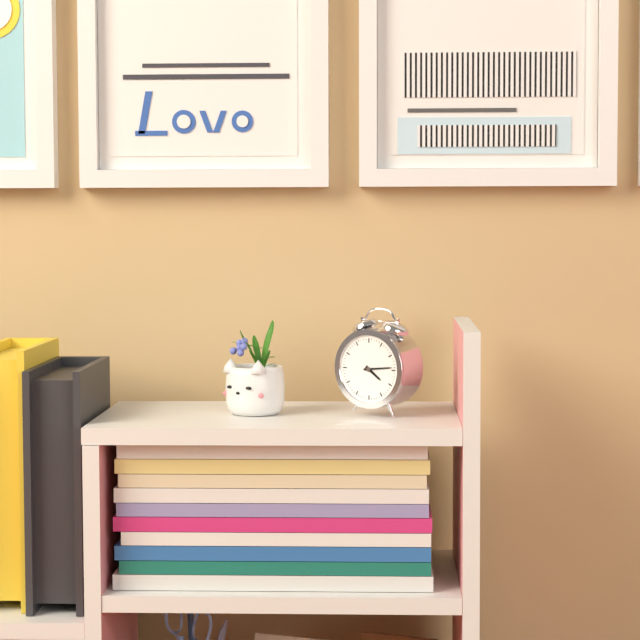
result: 4 h 14 min
